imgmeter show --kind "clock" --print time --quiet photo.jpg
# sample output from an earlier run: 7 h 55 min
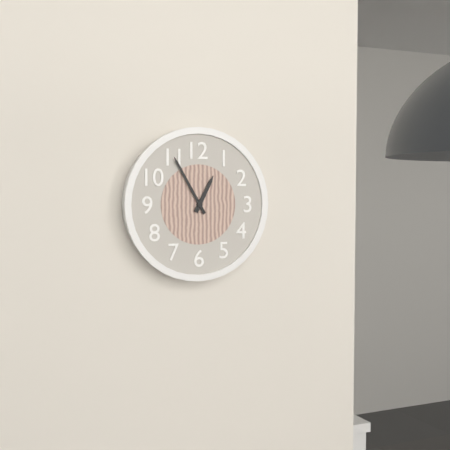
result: 12 h 55 min
